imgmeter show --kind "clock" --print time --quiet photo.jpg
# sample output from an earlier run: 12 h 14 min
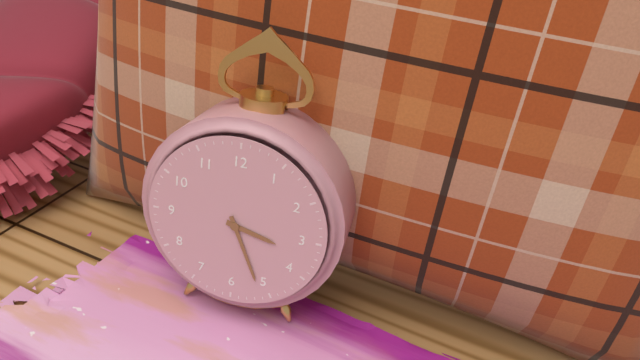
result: 3 h 26 min
